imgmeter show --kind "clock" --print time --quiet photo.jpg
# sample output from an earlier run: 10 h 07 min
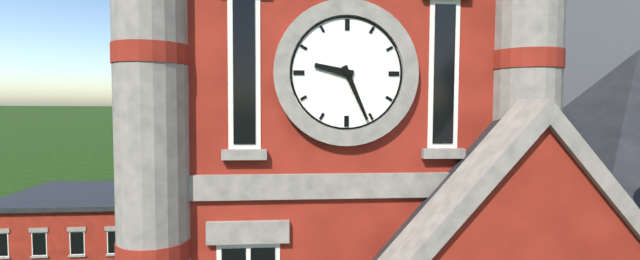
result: 9 h 26 min
